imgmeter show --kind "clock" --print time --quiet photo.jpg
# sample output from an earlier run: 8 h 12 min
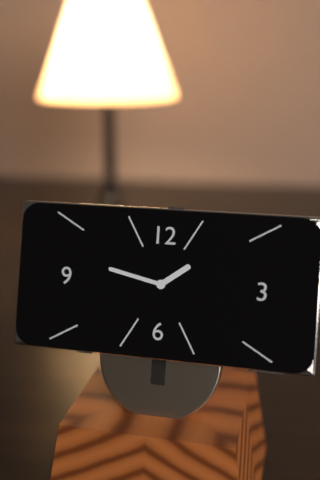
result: 1 h 47 min
